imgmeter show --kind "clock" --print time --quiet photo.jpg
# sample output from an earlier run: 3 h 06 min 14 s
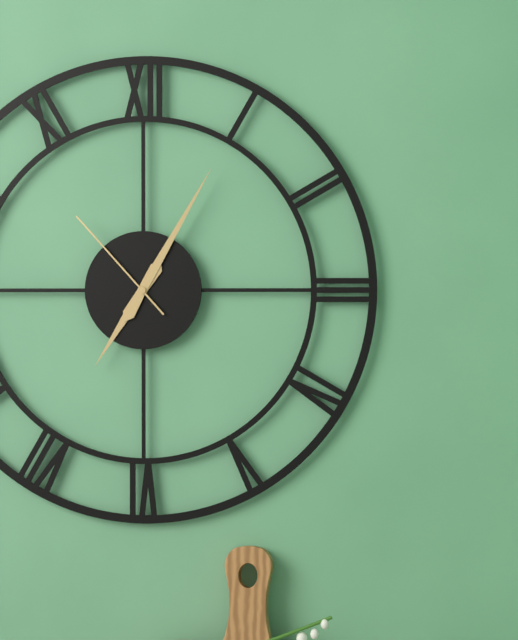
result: 7 h 05 min 53 s
